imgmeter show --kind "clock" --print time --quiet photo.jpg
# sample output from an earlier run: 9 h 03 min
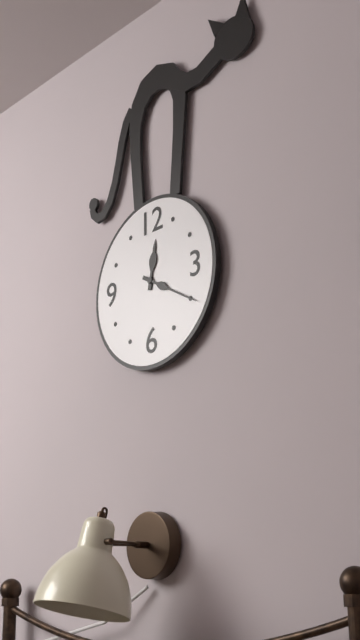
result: 12 h 20 min
